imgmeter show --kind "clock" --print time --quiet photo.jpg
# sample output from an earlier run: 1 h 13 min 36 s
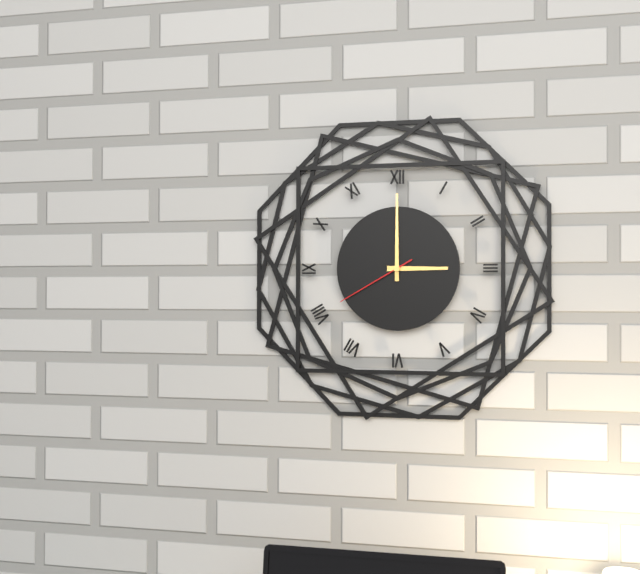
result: 3 h 00 min 40 s
